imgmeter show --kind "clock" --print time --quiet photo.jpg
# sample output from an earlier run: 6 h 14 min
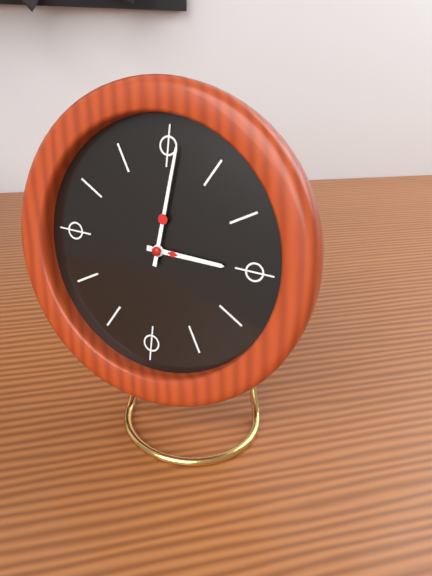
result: 3 h 01 min
